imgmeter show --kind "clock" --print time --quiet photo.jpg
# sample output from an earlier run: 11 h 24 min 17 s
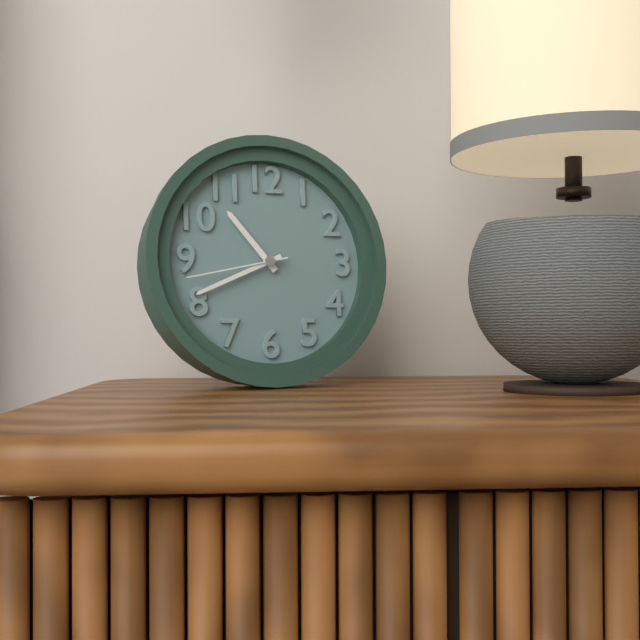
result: 10 h 41 min 43 s
